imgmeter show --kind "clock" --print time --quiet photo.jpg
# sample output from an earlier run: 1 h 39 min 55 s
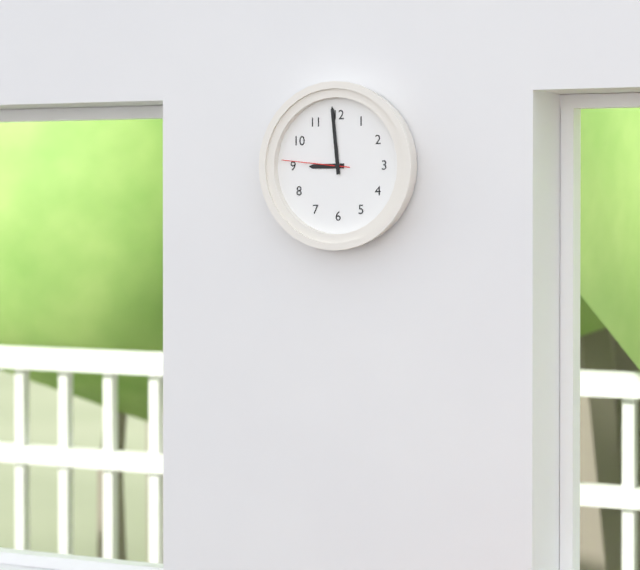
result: 8 h 59 min 46 s
